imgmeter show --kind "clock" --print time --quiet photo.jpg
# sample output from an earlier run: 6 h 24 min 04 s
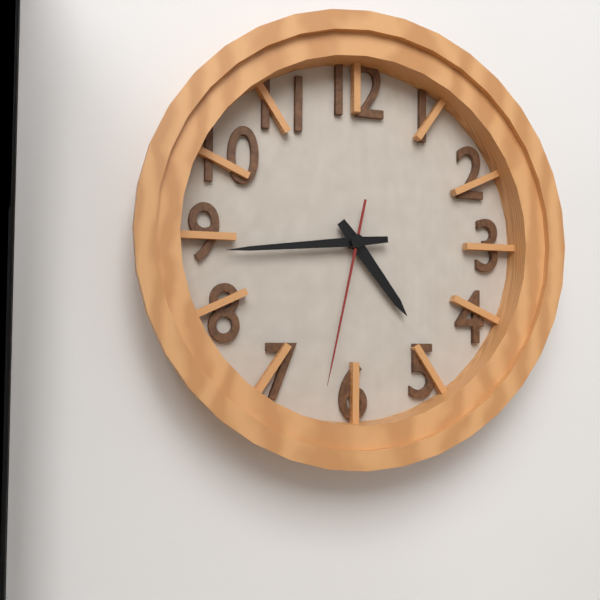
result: 4 h 44 min 32 s
